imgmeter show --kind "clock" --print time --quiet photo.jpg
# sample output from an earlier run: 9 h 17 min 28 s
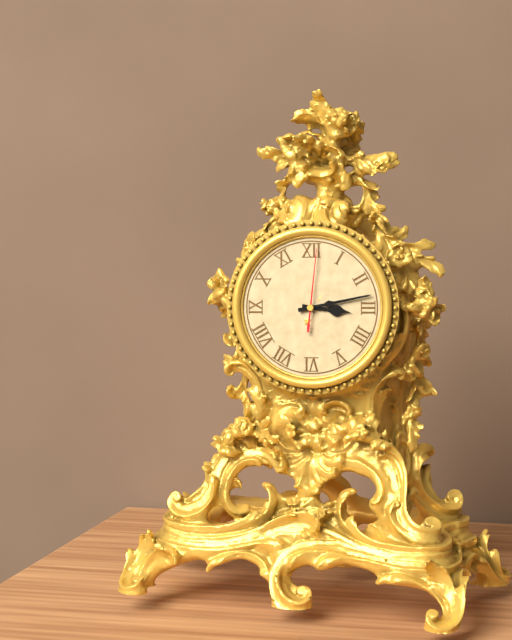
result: 3 h 13 min 01 s
